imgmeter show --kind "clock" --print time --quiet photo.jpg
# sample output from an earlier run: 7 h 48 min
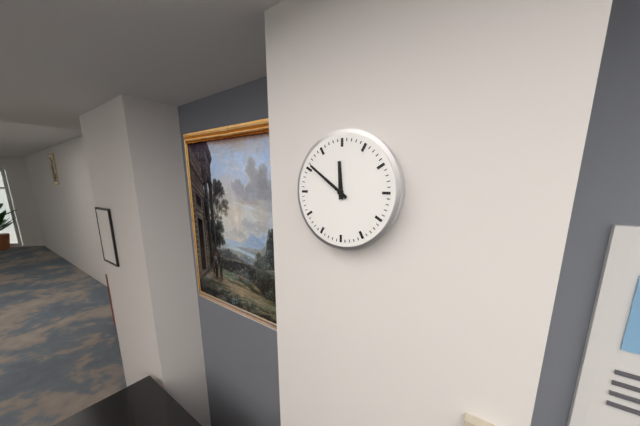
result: 11 h 51 min
